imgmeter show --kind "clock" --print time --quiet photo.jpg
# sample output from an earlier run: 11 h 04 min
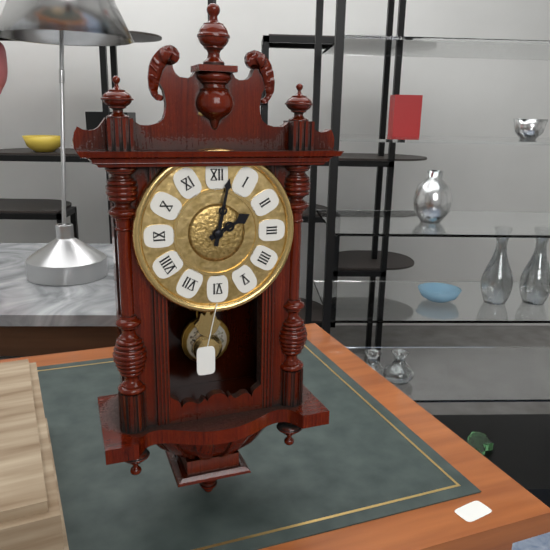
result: 2 h 02 min
